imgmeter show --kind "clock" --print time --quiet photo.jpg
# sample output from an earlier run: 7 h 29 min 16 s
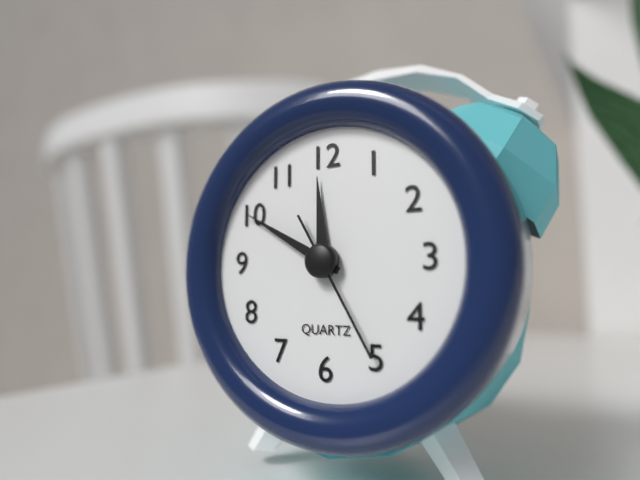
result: 11 h 50 min 25 s
